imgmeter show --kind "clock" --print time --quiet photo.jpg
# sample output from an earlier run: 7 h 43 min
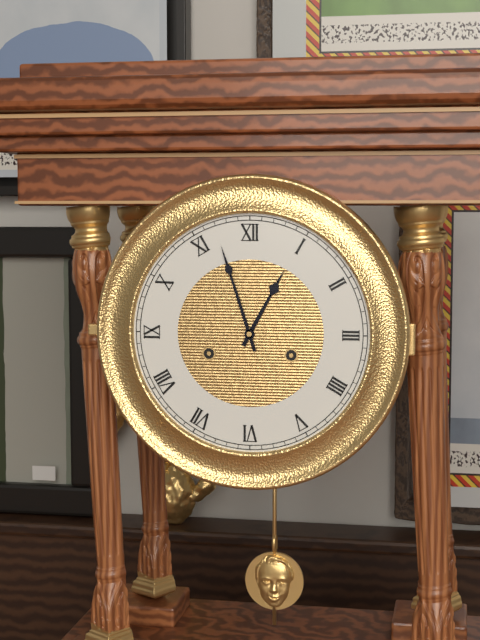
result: 12 h 57 min
